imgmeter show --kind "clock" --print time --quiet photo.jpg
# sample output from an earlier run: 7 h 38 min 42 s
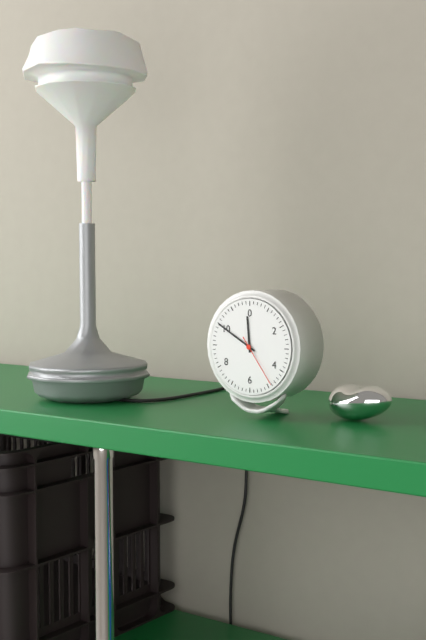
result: 11 h 50 min 24 s
